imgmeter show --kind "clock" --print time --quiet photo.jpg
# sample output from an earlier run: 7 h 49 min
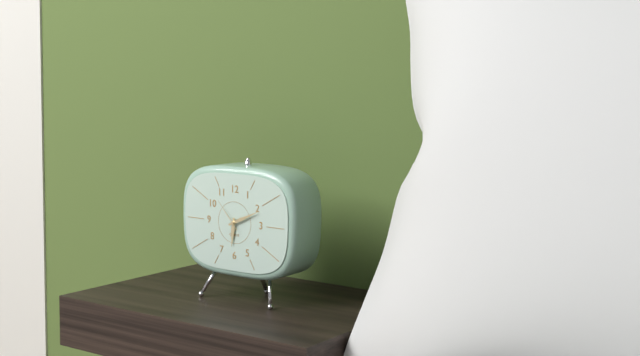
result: 6 h 11 min
